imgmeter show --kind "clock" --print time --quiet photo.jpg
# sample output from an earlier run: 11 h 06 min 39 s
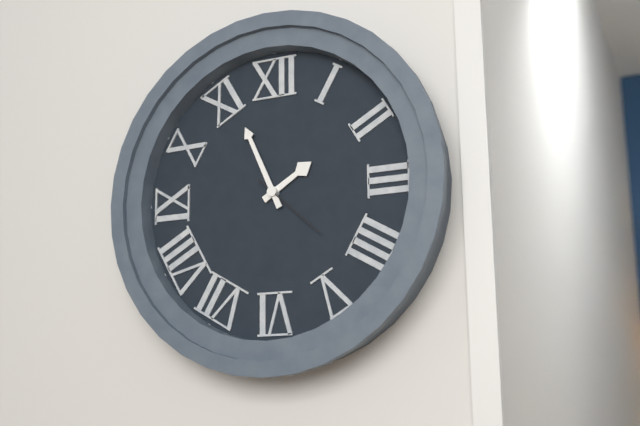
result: 1 h 56 min 22 s
